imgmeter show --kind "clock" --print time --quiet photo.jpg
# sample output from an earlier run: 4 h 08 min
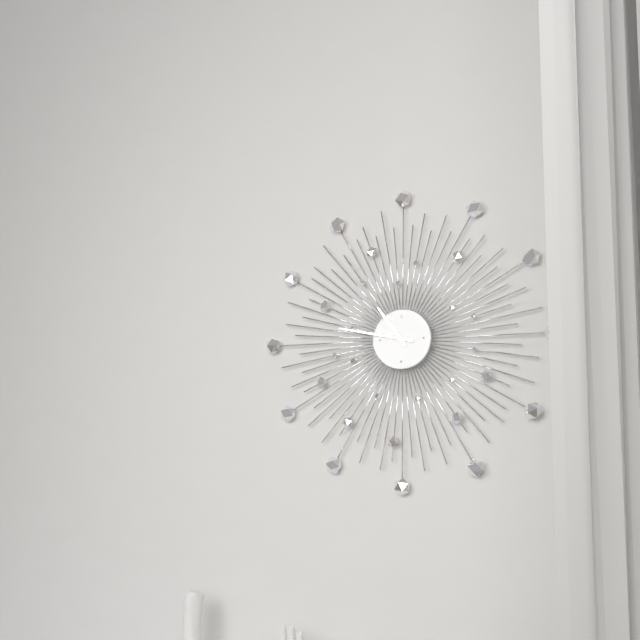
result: 10 h 47 min
